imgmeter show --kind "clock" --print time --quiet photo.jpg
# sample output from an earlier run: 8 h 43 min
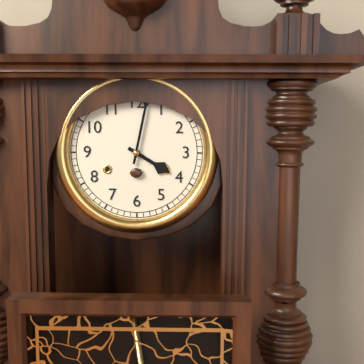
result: 4 h 02 min
